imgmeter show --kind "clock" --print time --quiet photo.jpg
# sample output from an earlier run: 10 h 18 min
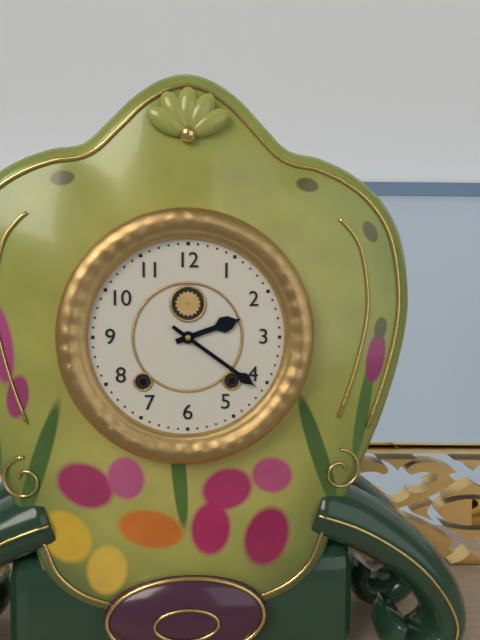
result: 2 h 21 min
